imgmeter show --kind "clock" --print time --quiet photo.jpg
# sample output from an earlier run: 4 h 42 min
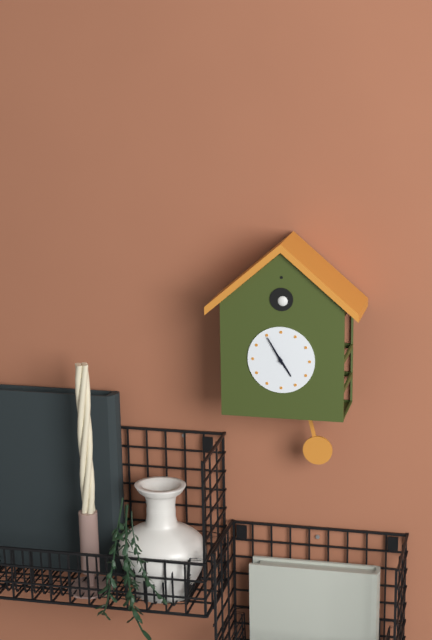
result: 4 h 55 min
